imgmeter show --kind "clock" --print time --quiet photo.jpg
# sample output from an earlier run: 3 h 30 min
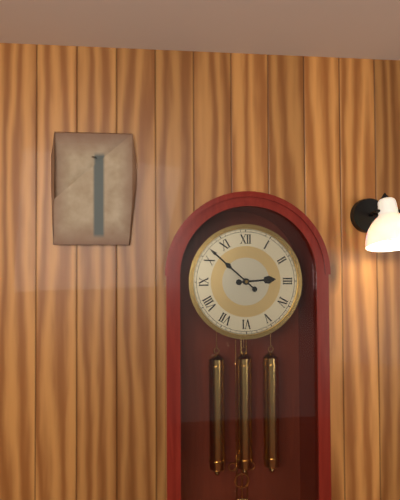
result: 2 h 52 min
